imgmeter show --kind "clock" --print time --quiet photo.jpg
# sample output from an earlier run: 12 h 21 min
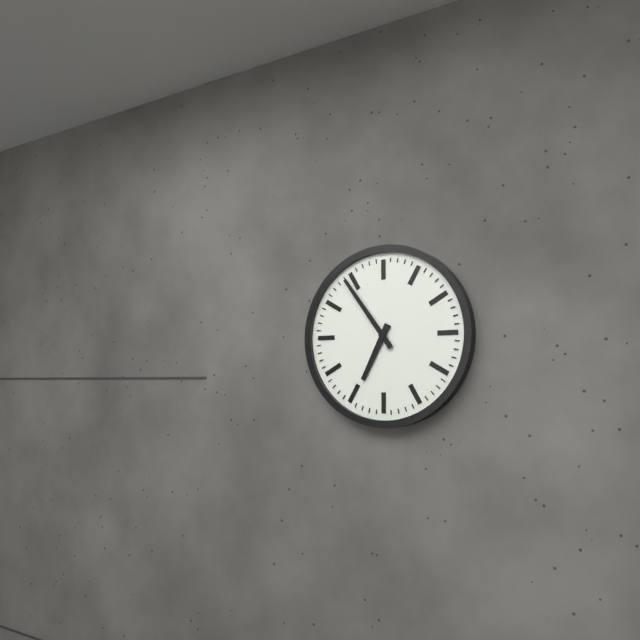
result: 6 h 54 min
